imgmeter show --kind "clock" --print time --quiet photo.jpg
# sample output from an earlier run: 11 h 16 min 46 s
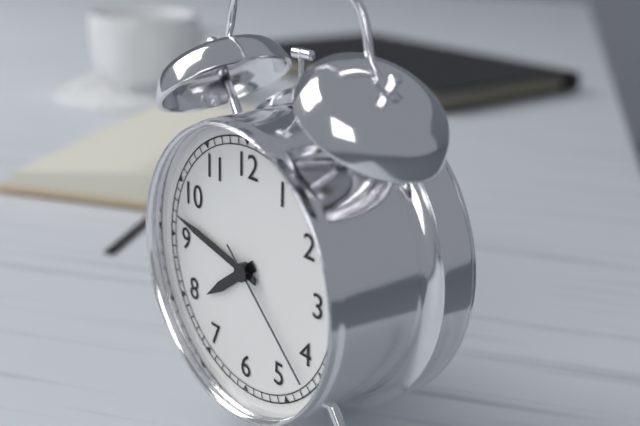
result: 7 h 47 min 22 s
